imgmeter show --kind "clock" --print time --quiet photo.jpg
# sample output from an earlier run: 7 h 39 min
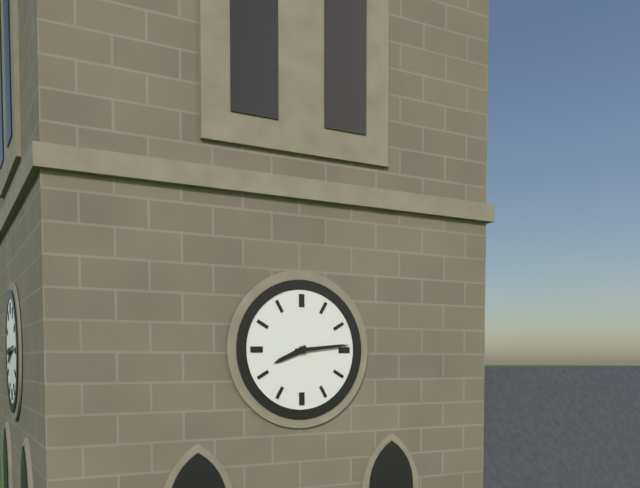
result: 8 h 14 min
